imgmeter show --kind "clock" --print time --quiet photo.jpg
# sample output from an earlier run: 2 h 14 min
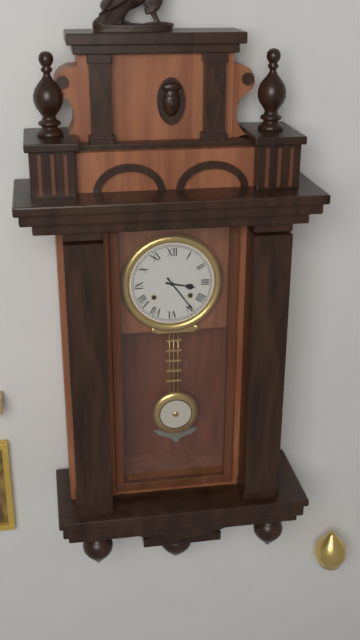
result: 3 h 24 min
